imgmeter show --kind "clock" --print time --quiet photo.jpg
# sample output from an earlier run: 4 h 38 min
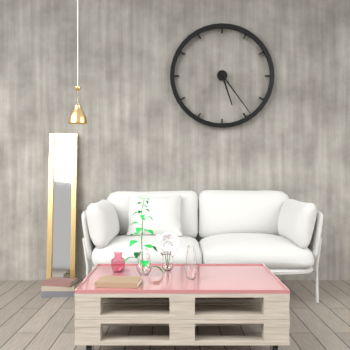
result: 5 h 24 min
